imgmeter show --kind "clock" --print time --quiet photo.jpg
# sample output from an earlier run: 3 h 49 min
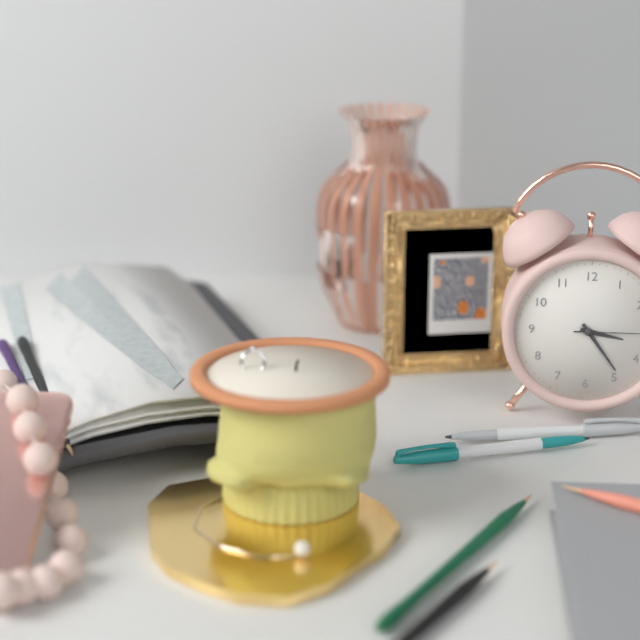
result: 3 h 24 min
